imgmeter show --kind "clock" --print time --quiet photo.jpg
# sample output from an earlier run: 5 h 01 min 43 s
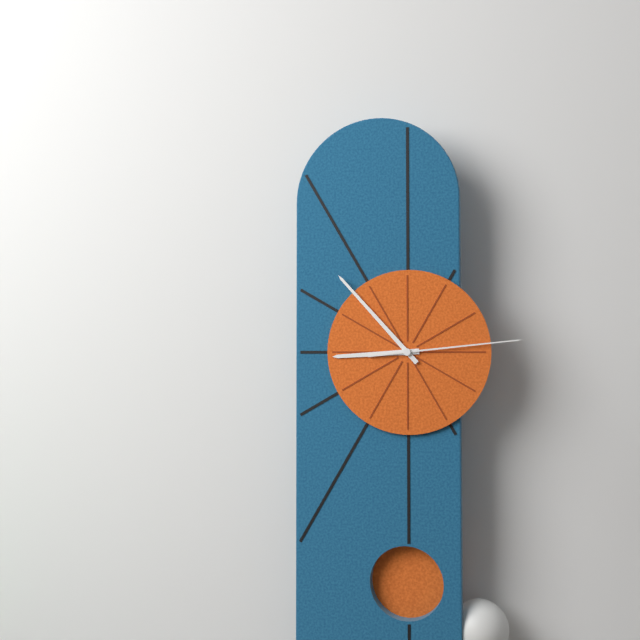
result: 8 h 53 min 14 s
